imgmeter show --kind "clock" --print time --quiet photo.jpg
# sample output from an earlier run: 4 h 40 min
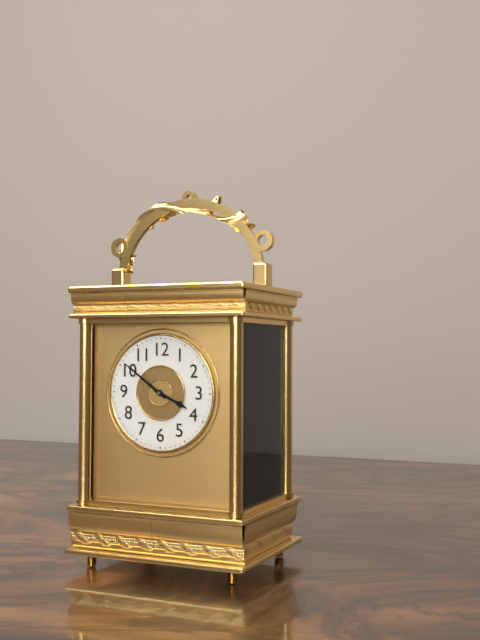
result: 3 h 51 min
